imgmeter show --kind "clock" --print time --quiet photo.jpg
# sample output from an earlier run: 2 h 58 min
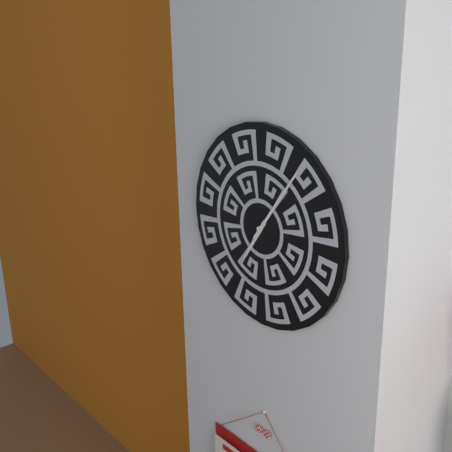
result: 7 h 06 min
